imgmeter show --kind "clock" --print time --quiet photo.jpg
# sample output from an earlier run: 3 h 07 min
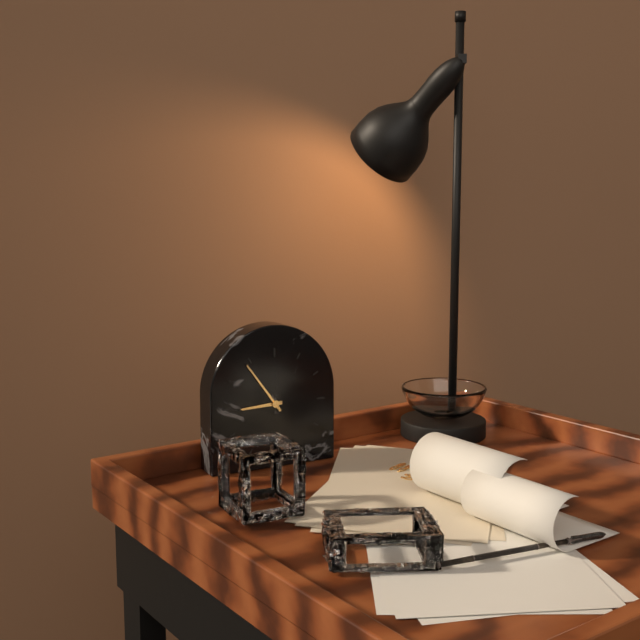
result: 8 h 54 min
